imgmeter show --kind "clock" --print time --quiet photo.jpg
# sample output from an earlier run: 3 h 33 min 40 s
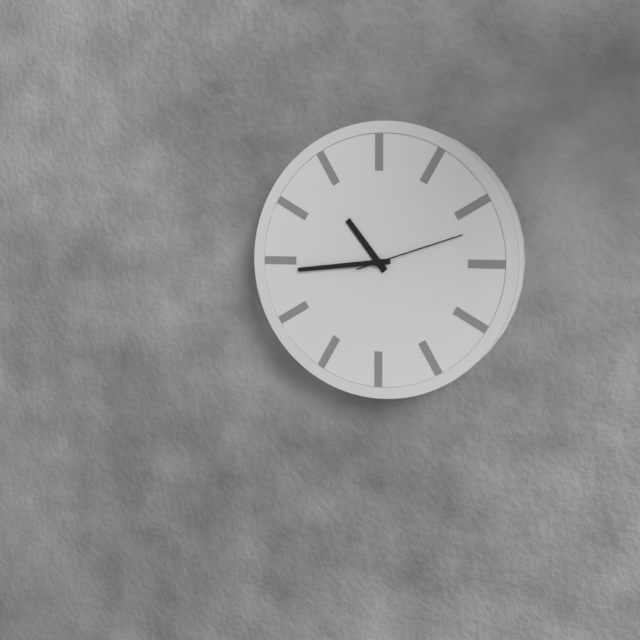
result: 10 h 44 min 12 s
